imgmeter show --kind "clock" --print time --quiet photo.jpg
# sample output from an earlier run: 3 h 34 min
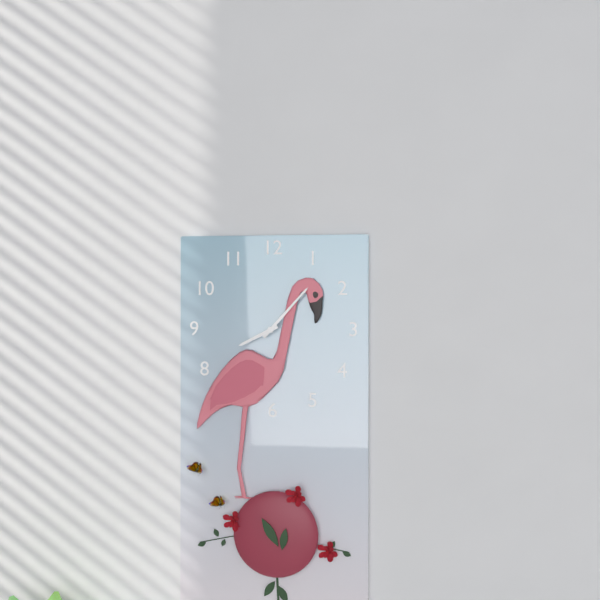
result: 8 h 07 min
